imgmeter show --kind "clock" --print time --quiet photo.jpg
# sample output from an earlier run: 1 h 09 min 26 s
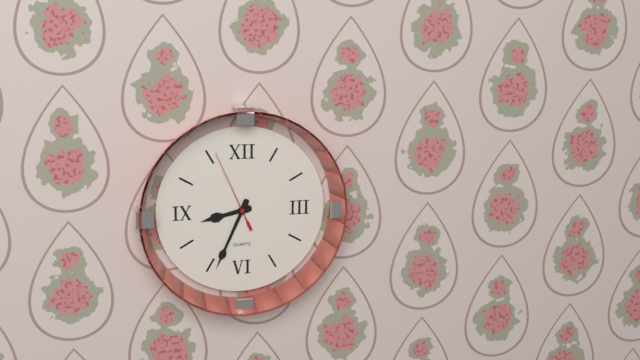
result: 8 h 34 min 56 s
